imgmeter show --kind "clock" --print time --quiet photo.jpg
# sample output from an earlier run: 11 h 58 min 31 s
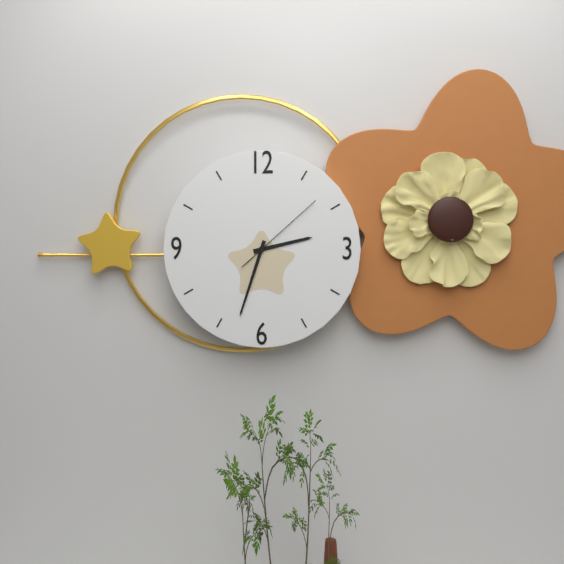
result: 2 h 33 min 08 s
